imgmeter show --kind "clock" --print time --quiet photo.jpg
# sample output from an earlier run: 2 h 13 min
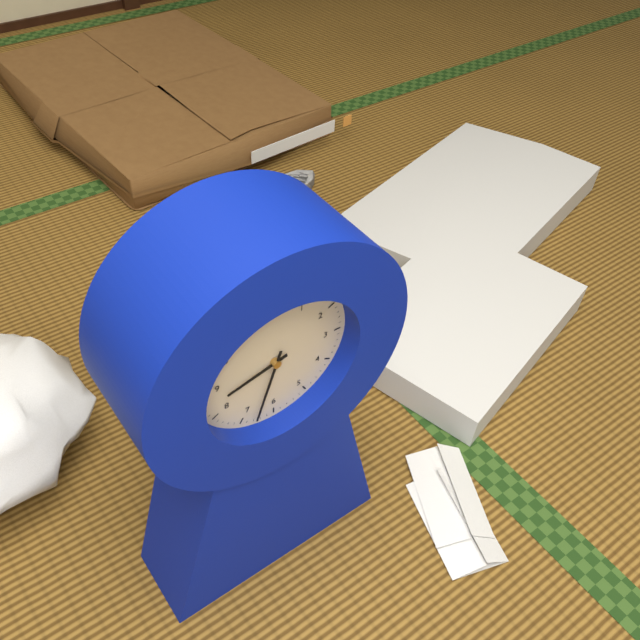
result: 8 h 33 min
